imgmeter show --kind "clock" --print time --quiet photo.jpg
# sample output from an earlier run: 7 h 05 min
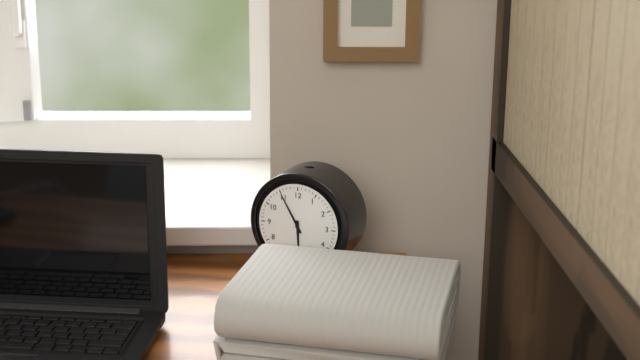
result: 5 h 55 min
